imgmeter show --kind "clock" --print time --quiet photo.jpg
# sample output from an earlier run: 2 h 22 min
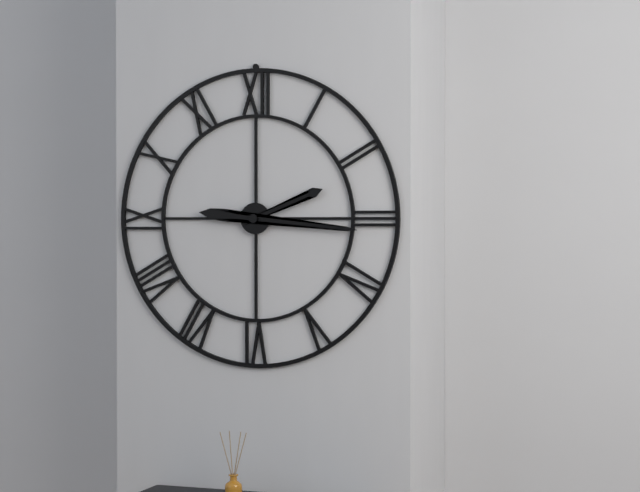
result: 2 h 16 min
